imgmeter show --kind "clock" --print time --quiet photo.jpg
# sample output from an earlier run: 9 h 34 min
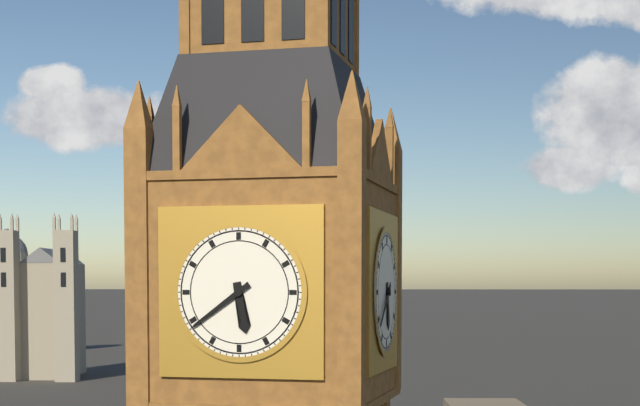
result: 5 h 39 min
